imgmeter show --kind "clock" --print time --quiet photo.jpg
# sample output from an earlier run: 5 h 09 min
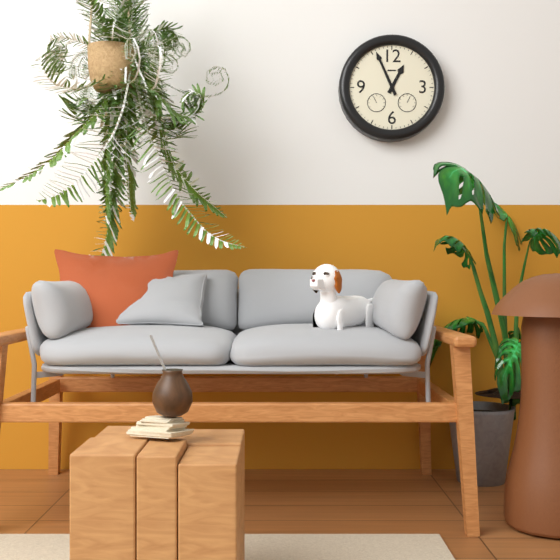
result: 12 h 56 min
